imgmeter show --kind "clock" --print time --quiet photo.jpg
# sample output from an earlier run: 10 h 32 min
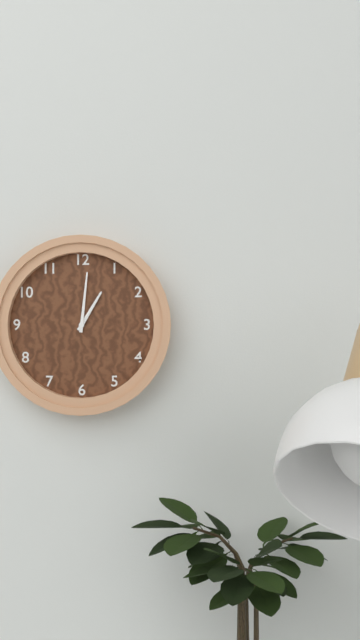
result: 1 h 01 min
